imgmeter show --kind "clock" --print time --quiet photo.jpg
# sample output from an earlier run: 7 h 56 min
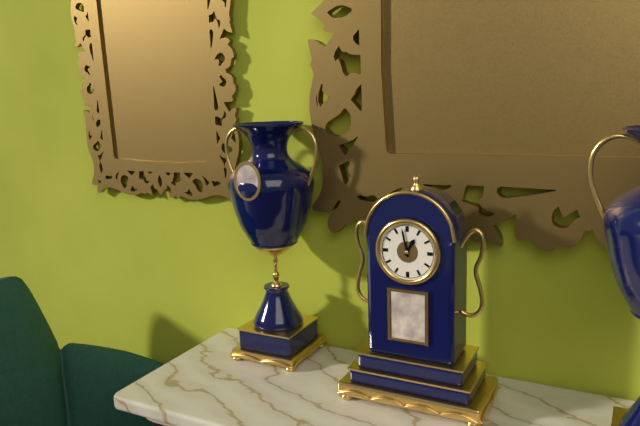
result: 12 h 58 min
